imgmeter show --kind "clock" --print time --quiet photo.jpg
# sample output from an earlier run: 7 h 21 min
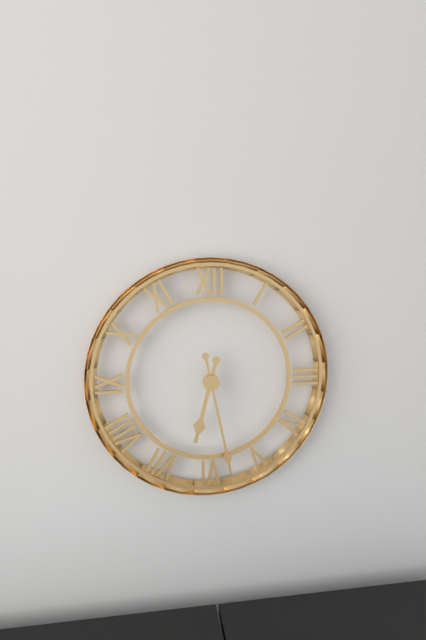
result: 6 h 28 min
